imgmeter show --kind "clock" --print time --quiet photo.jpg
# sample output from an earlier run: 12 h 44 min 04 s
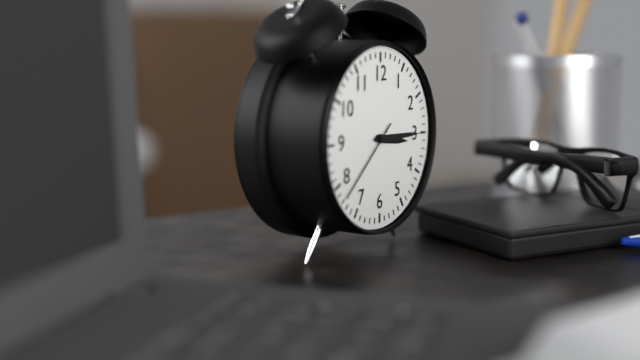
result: 3 h 15 min 38 s
